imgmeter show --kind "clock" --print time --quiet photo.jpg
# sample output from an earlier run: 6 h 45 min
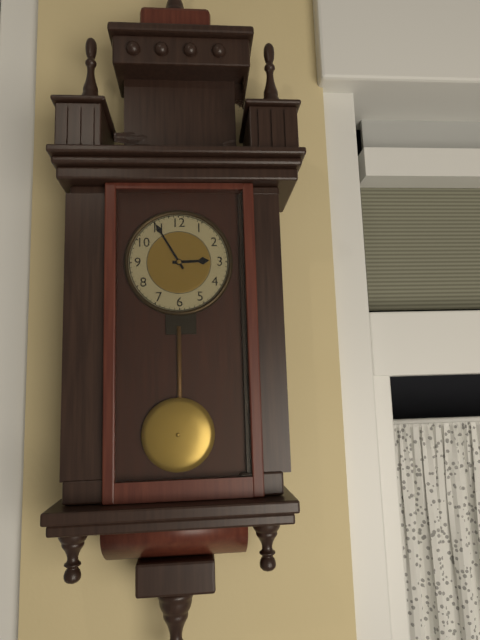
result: 2 h 55 min
